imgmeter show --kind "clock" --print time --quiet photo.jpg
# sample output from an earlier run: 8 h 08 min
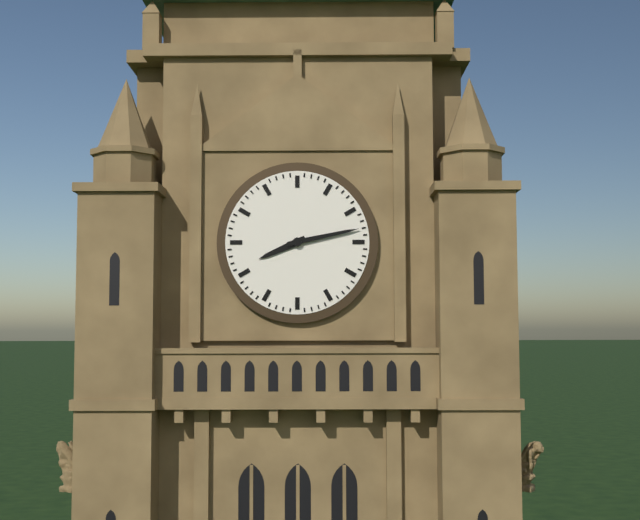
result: 8 h 13 min
